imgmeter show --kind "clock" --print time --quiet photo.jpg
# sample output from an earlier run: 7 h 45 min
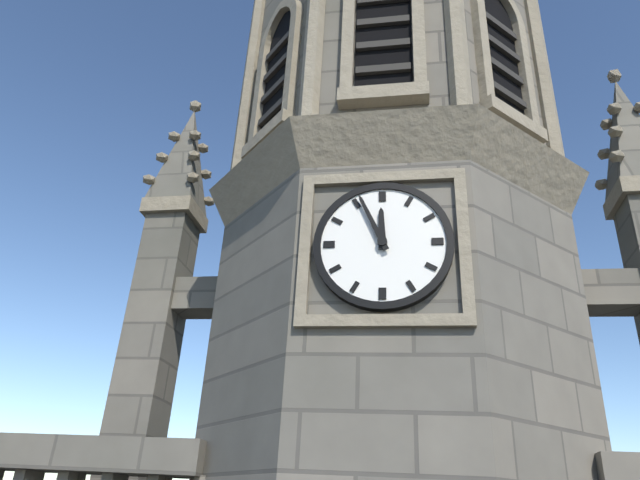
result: 11 h 56 min
